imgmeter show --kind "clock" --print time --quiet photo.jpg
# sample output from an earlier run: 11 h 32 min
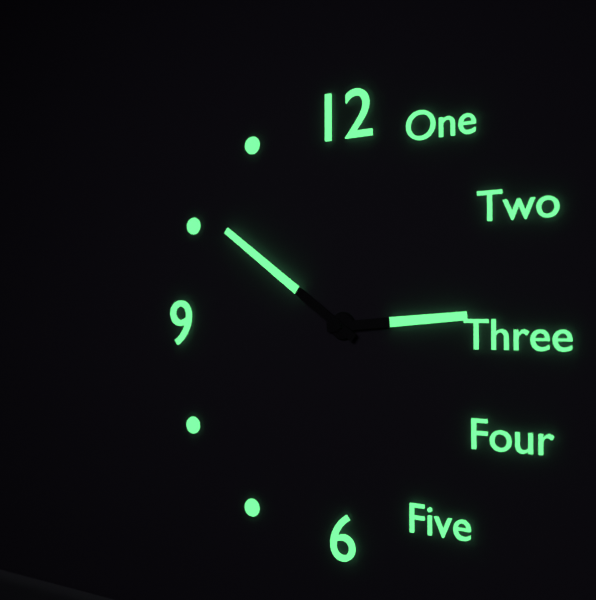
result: 2 h 51 min
